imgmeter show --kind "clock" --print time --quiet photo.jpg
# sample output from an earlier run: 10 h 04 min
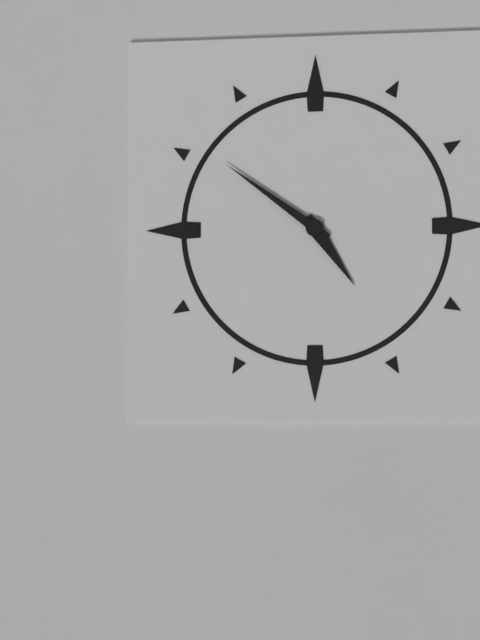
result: 4 h 51 min
